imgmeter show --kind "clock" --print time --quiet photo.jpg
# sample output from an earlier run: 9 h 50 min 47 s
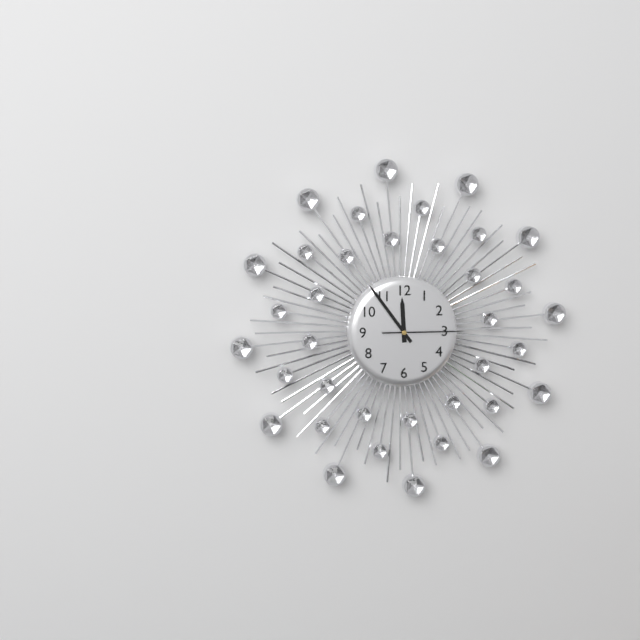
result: 11 h 54 min 15 s
